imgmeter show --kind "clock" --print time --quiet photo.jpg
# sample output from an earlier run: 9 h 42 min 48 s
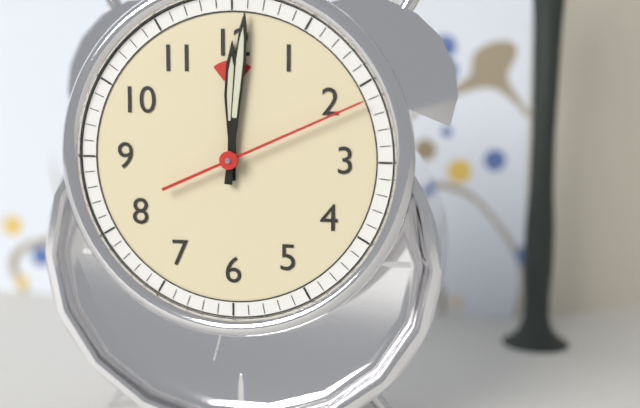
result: 12 h 01 min 11 s
